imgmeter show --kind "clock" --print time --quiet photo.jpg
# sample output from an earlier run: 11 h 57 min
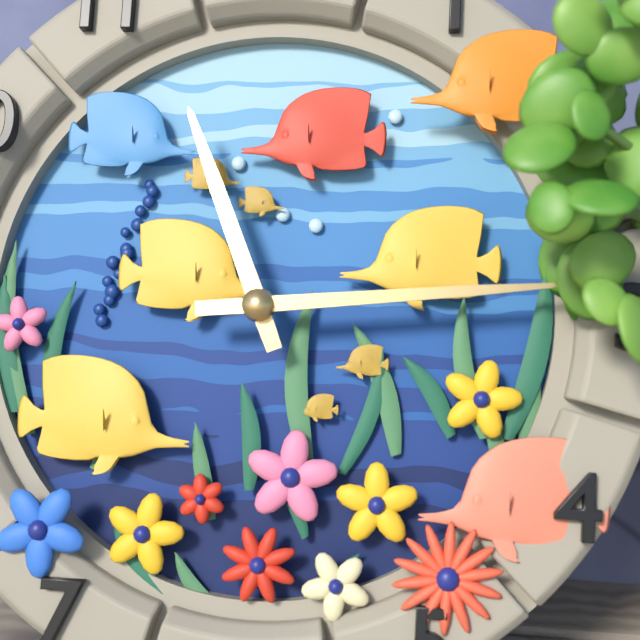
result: 11 h 14 min
